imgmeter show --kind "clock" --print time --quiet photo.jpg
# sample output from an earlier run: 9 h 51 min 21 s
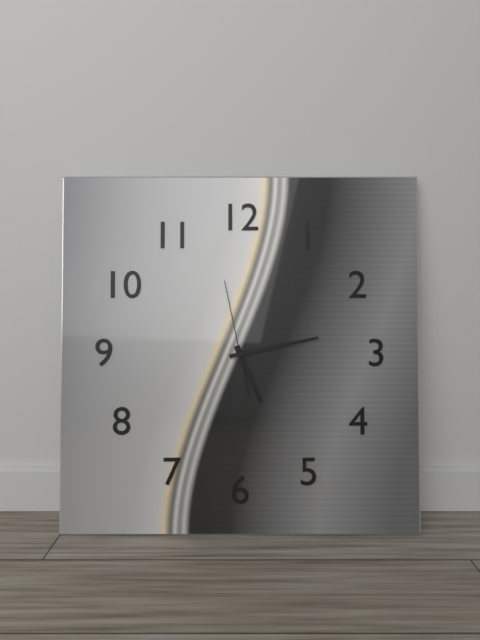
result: 5 h 13 min 58 s
